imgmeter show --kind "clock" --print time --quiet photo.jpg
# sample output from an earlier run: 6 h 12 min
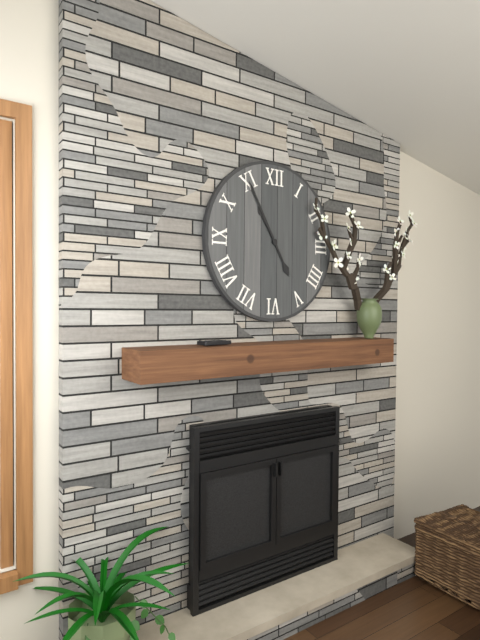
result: 10 h 55 min
